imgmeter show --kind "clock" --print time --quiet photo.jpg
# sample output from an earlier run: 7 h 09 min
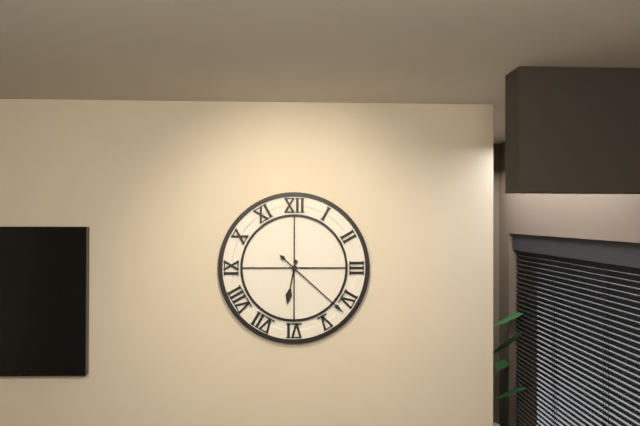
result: 6 h 22 min
